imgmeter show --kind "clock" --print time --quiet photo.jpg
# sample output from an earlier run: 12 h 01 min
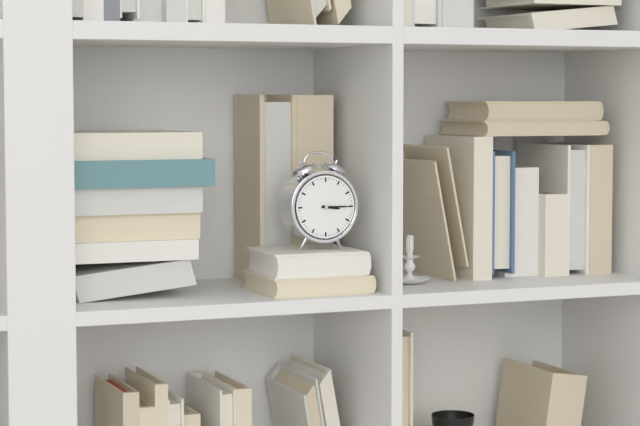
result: 3 h 15 min
